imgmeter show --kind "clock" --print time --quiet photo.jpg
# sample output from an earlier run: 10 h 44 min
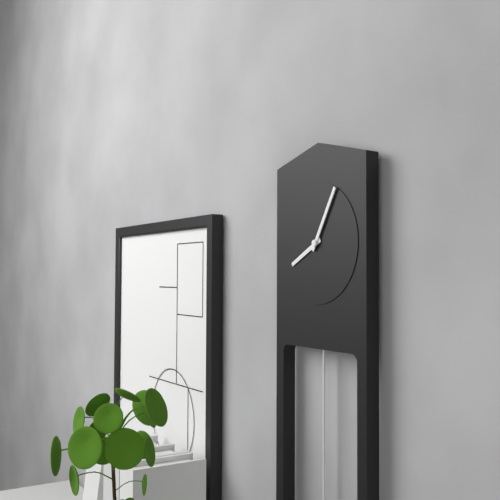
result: 8 h 05 min
